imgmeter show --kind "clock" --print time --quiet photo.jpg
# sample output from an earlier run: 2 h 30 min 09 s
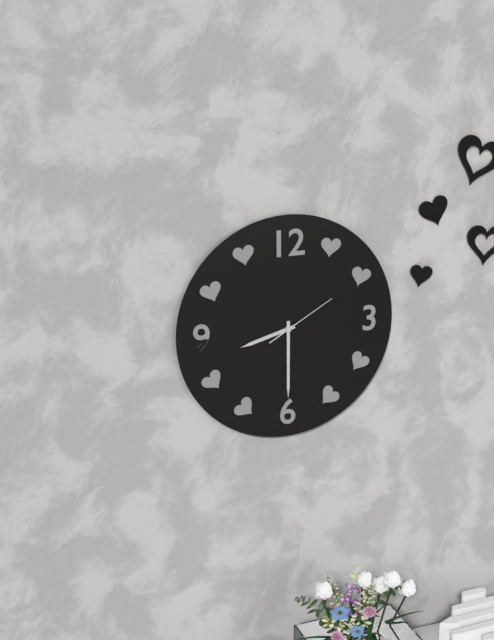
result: 8 h 30 min 10 s
